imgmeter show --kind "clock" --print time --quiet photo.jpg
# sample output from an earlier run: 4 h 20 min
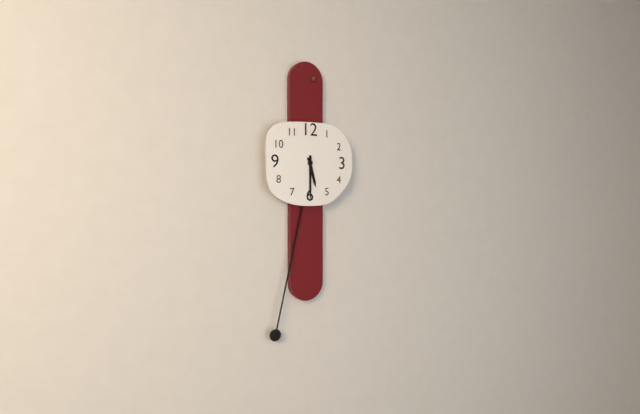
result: 5 h 30 min
